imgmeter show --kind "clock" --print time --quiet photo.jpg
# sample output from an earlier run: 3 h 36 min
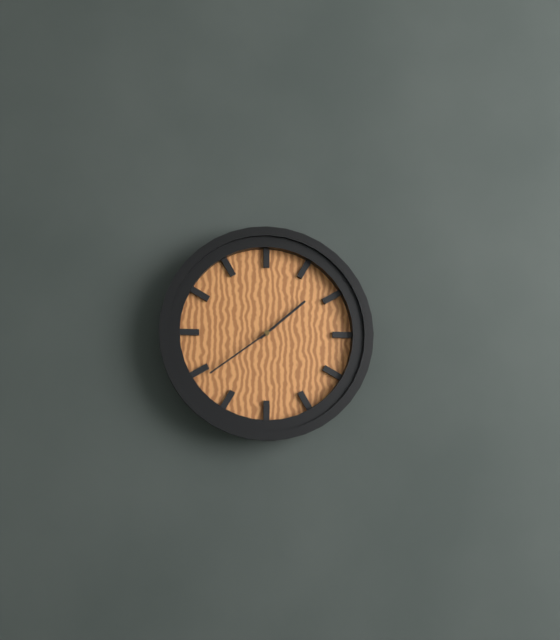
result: 1 h 39 min
